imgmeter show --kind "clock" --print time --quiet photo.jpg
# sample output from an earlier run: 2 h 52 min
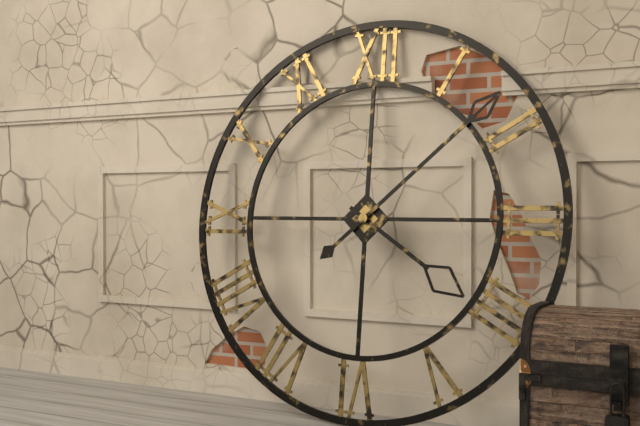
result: 4 h 08 min
